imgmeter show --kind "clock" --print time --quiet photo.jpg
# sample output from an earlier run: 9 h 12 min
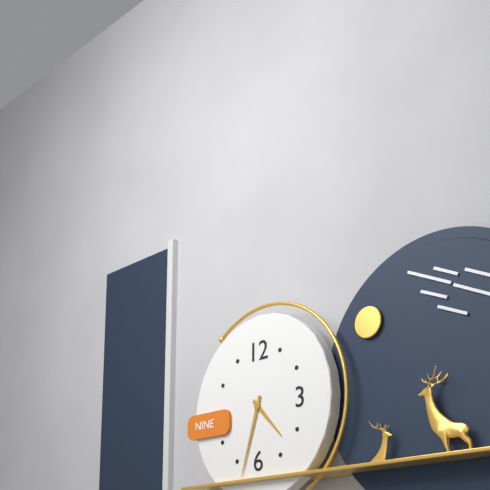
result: 4 h 33 min
